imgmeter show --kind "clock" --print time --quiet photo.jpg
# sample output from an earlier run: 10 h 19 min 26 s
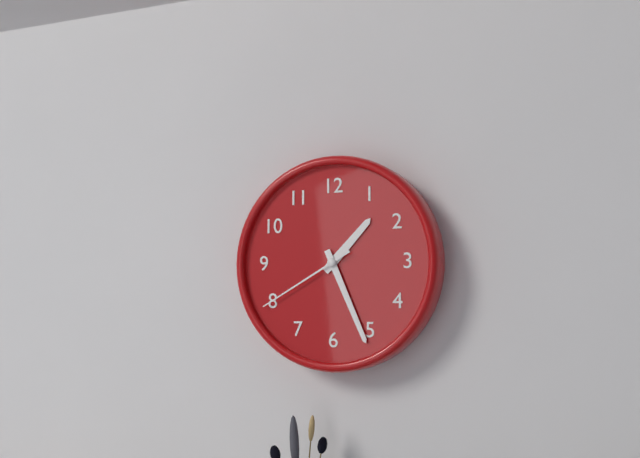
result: 1 h 26 min 40 s
